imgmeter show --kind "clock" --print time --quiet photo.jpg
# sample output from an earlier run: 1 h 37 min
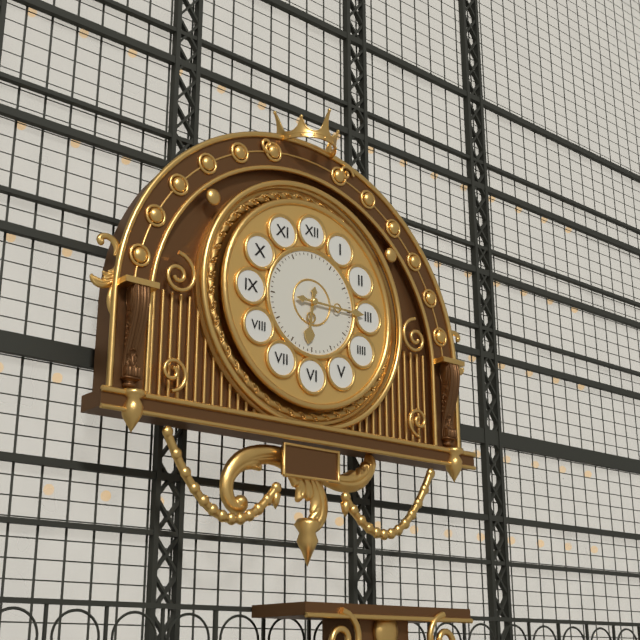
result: 6 h 15 min
